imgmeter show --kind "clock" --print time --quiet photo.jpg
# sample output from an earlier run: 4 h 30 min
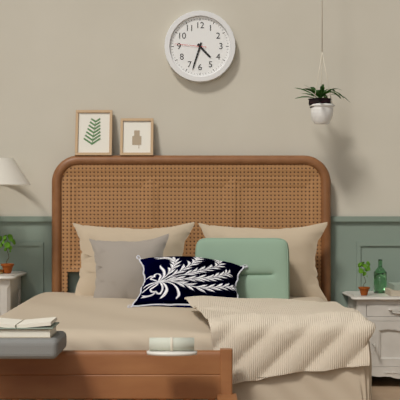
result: 4 h 33 min
